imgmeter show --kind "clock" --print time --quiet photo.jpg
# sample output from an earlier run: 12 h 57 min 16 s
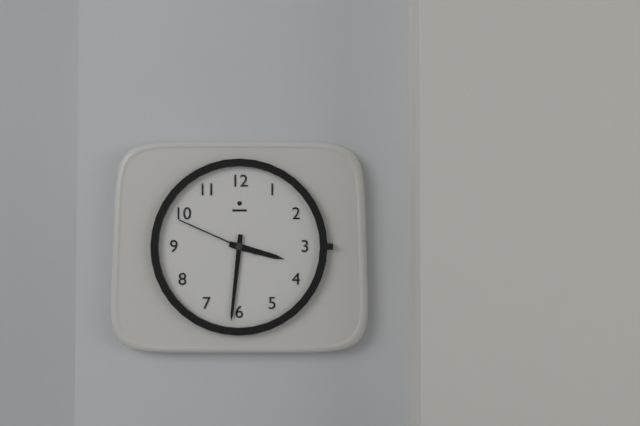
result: 3 h 31 min 49 s
